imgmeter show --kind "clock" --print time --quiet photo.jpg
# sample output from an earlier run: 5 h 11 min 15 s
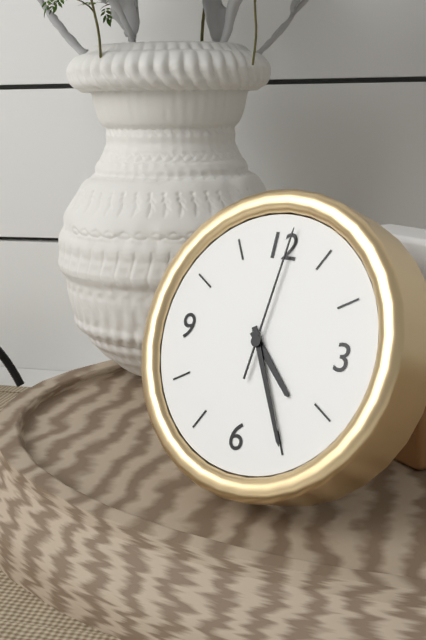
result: 4 h 25 min 01 s
